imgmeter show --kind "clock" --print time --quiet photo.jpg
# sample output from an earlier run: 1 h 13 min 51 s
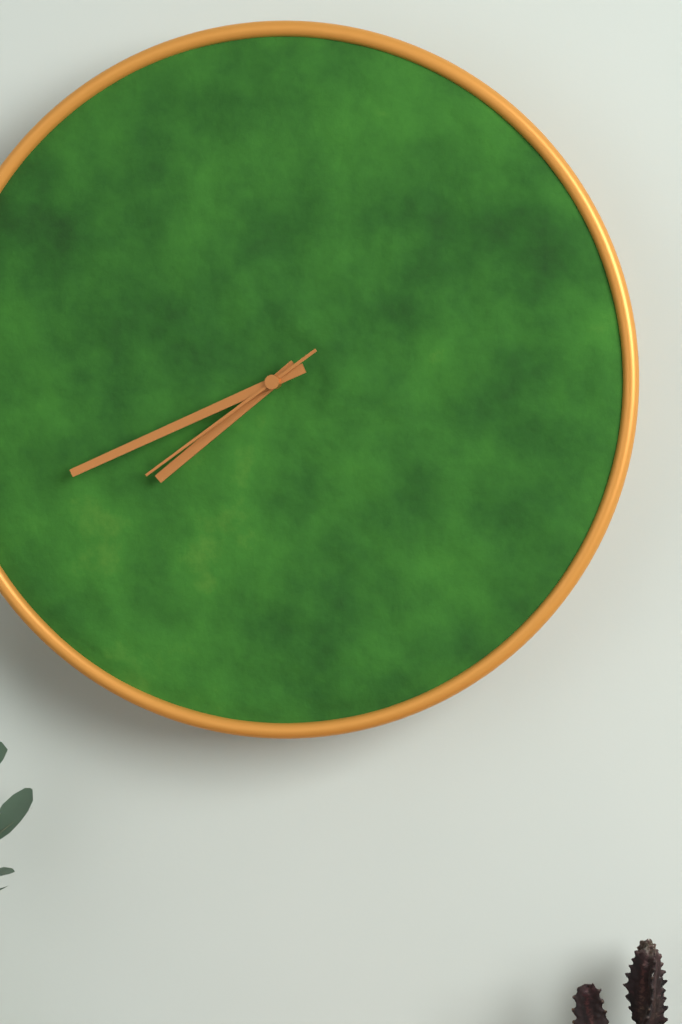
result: 7 h 41 min 39 s
